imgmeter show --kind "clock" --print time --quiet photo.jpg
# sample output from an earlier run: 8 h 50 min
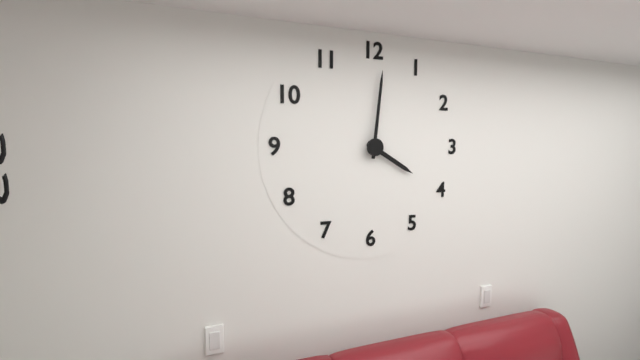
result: 4 h 01 min
